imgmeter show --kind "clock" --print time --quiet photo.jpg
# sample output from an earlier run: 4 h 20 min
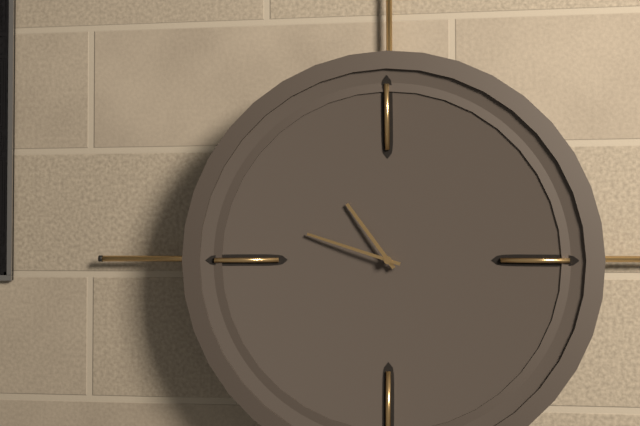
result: 10 h 48 min
